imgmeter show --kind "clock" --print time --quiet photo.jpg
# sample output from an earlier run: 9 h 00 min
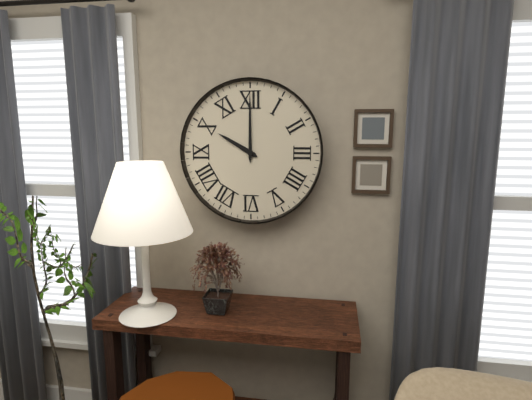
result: 10 h 00 min
